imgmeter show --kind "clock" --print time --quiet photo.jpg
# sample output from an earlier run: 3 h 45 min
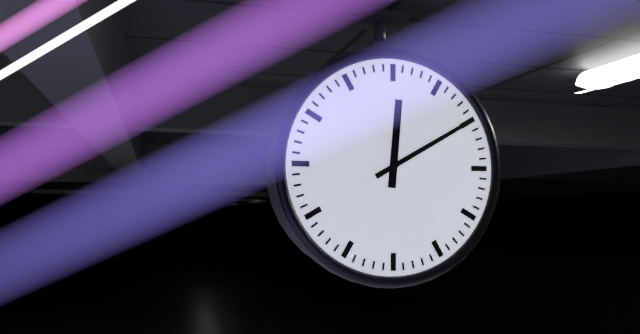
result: 12 h 10 min
